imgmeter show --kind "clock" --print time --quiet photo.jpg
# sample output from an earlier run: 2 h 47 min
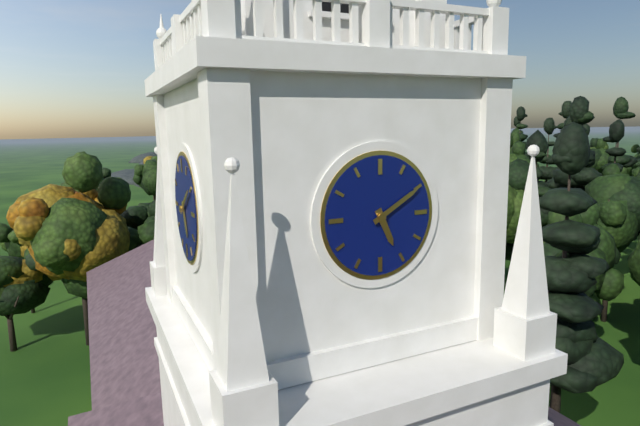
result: 5 h 10 min
